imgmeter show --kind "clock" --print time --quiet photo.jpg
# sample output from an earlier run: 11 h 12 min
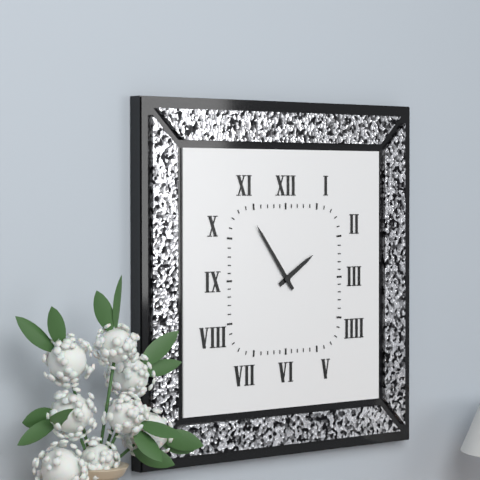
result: 1 h 54 min
